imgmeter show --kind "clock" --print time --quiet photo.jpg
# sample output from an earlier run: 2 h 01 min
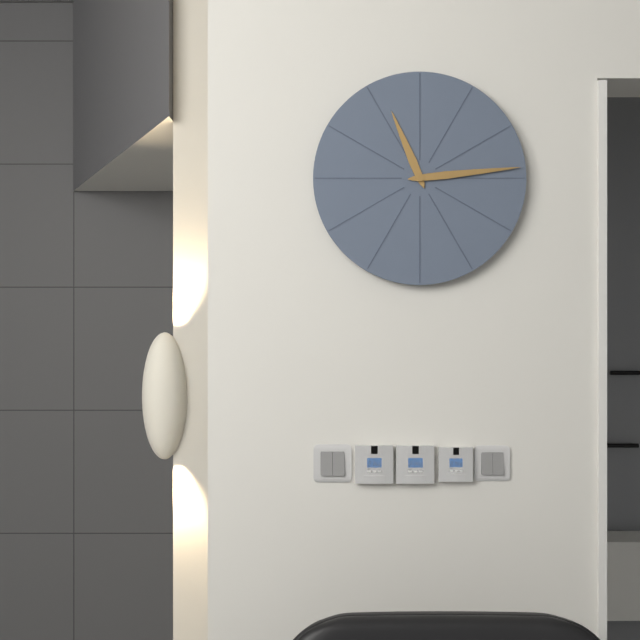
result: 11 h 14 min
